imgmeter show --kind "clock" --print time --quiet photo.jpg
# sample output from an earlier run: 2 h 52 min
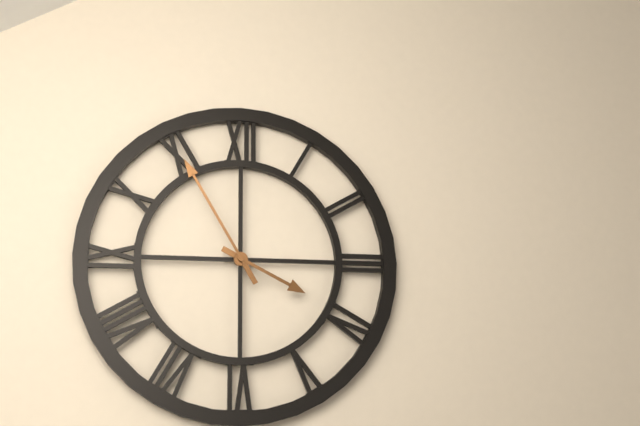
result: 3 h 55 min
